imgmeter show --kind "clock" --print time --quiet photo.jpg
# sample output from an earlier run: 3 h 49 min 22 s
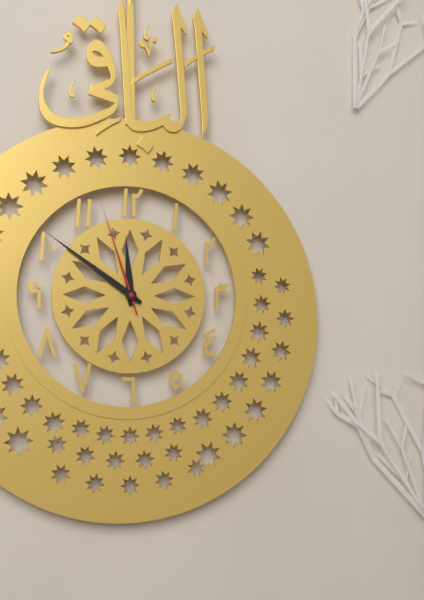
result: 11 h 51 min 57 s
